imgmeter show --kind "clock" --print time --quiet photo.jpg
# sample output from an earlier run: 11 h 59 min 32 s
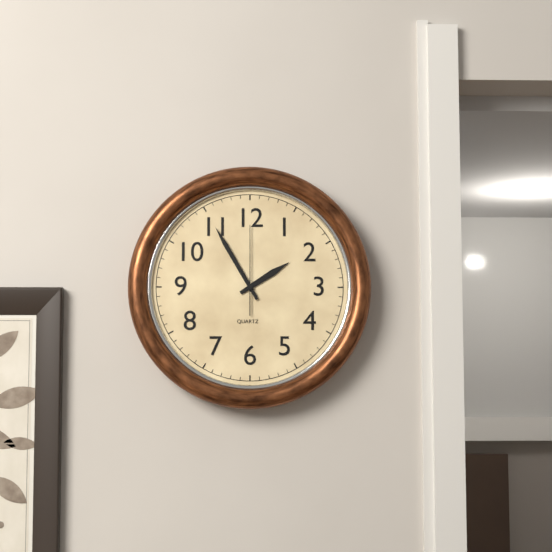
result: 1 h 55 min 00 s
